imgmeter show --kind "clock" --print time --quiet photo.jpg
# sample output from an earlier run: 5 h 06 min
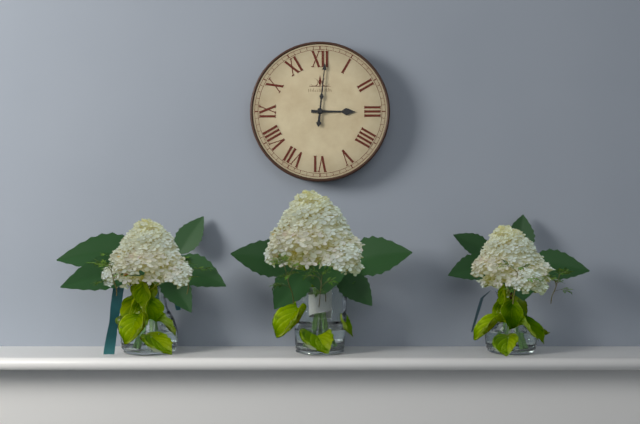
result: 3 h 01 min
